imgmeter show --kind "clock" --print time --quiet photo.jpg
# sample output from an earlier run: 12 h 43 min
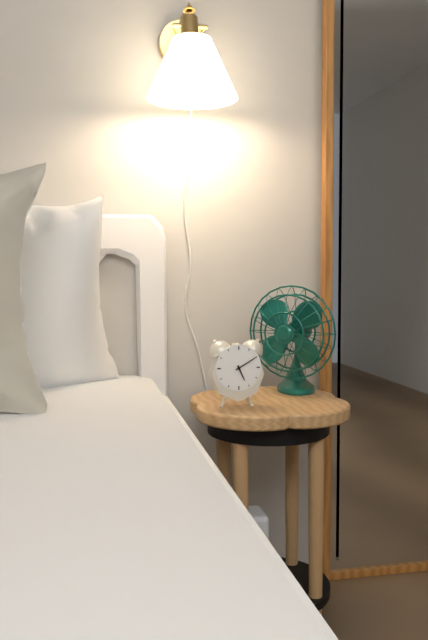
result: 5 h 10 min
